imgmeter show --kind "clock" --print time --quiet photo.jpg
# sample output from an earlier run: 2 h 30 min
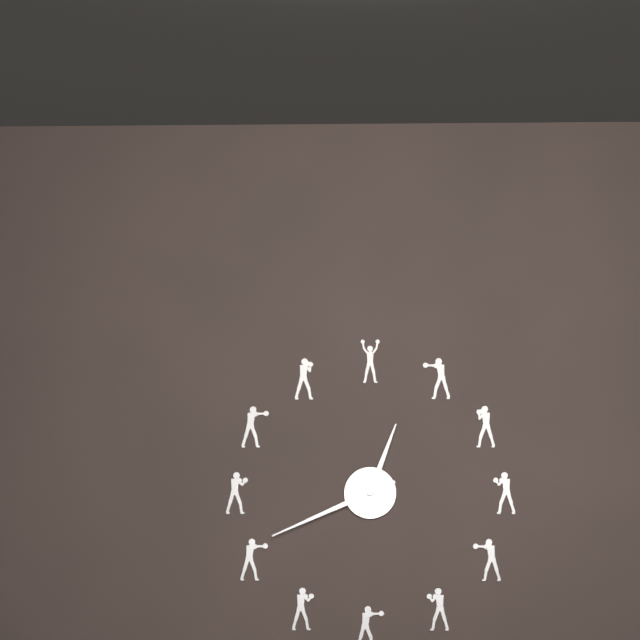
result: 12 h 41 min
